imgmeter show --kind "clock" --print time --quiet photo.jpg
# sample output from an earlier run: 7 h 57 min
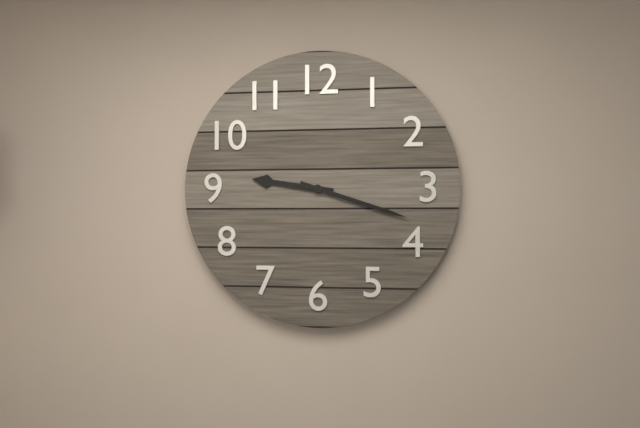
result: 9 h 18 min
